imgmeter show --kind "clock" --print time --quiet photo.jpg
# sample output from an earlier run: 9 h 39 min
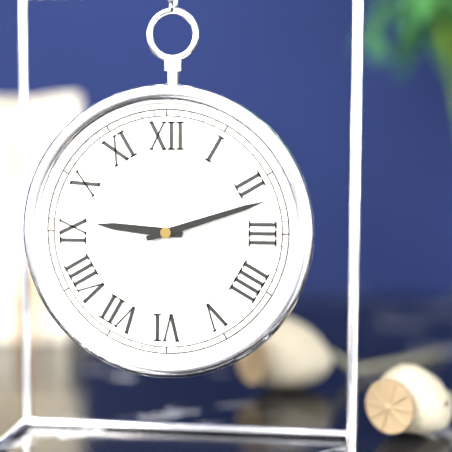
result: 9 h 12 min
